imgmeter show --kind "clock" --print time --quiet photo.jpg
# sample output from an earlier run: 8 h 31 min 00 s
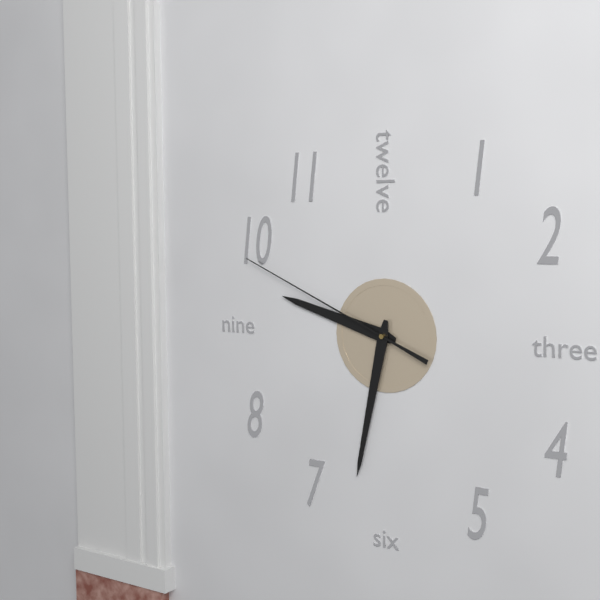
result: 9 h 32 min 49 s
